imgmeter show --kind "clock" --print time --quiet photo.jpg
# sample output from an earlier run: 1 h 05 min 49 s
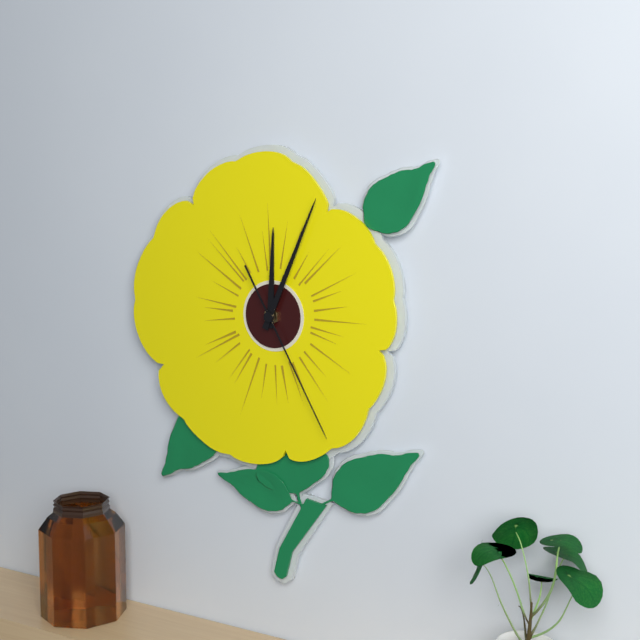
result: 12 h 04 min 25 s
